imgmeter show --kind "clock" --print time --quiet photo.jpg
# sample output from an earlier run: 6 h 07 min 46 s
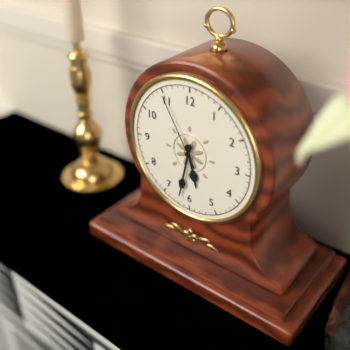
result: 5 h 32 min 55 s
